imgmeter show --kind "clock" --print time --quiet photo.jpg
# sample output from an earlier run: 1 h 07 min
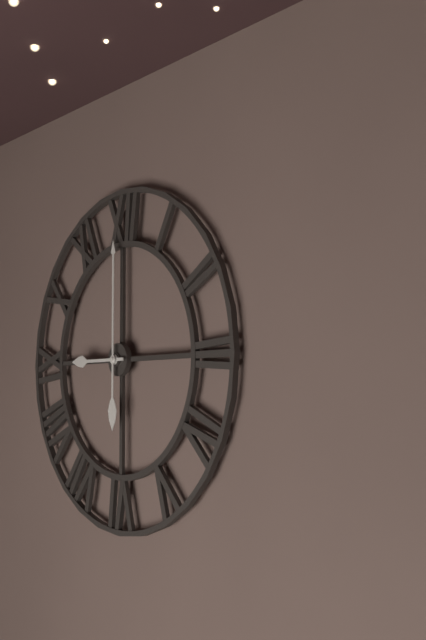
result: 9 h 00 min
